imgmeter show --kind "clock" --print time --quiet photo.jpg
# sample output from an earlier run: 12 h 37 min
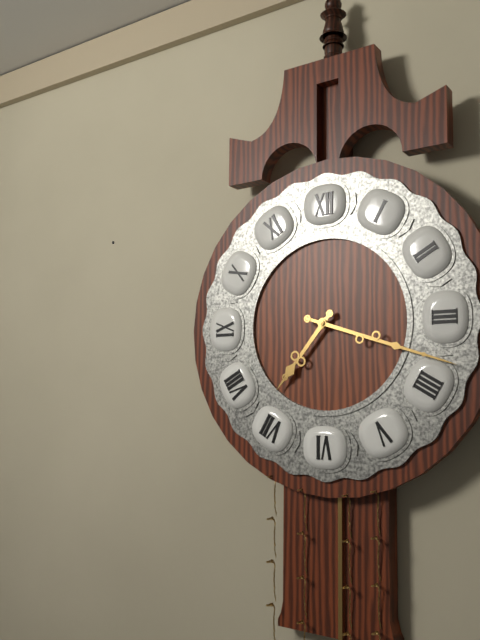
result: 7 h 18 min
